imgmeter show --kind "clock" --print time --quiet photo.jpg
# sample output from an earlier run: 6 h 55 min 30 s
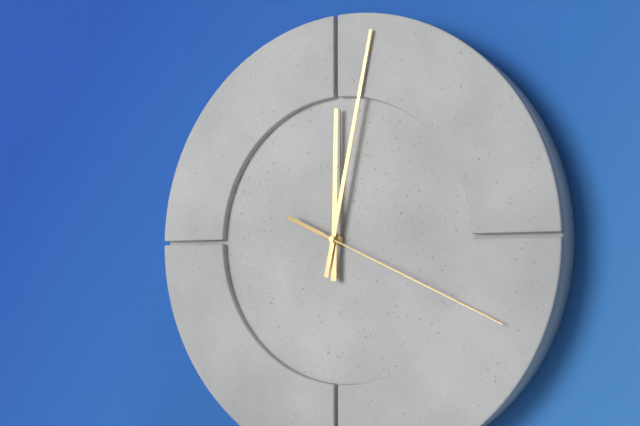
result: 12 h 02 min 19 s
